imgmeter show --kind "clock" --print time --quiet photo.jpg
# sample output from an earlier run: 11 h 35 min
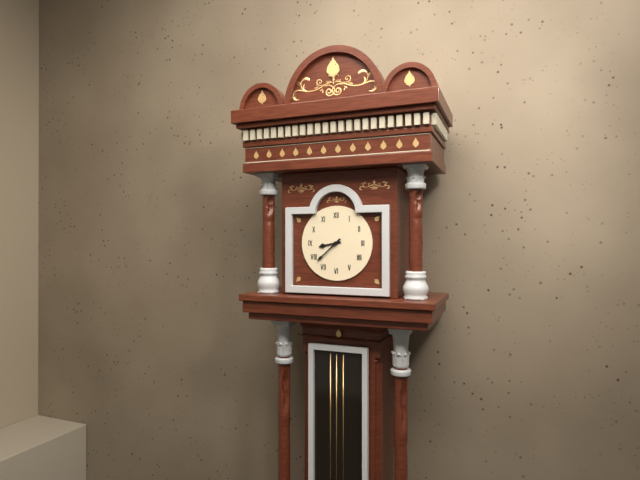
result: 8 h 38 min
